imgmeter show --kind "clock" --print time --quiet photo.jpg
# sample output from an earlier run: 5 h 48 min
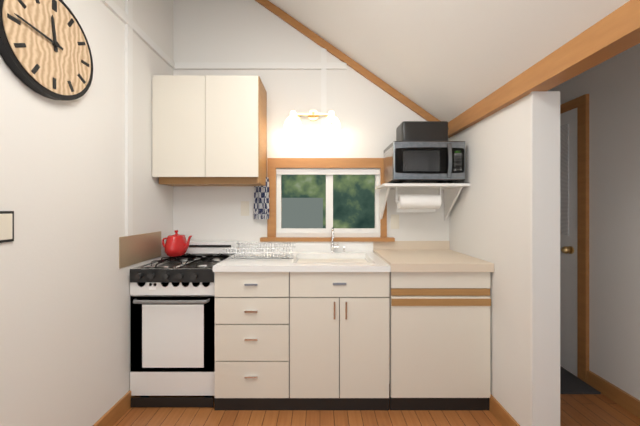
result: 11 h 46 min
